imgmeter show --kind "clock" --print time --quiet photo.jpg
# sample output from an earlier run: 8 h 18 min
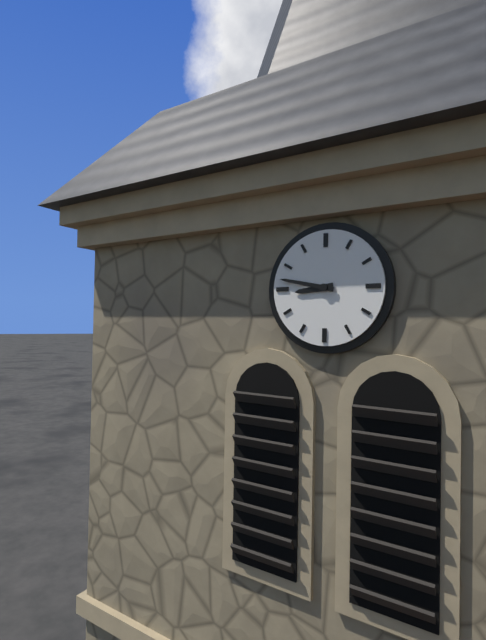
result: 8 h 47 min
